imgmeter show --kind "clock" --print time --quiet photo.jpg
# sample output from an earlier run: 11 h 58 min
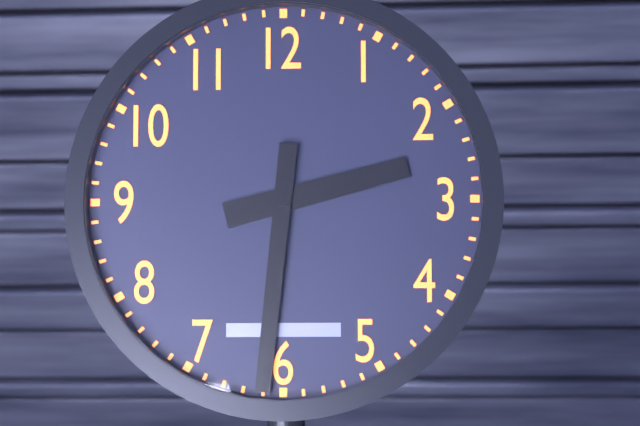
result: 2 h 31 min
